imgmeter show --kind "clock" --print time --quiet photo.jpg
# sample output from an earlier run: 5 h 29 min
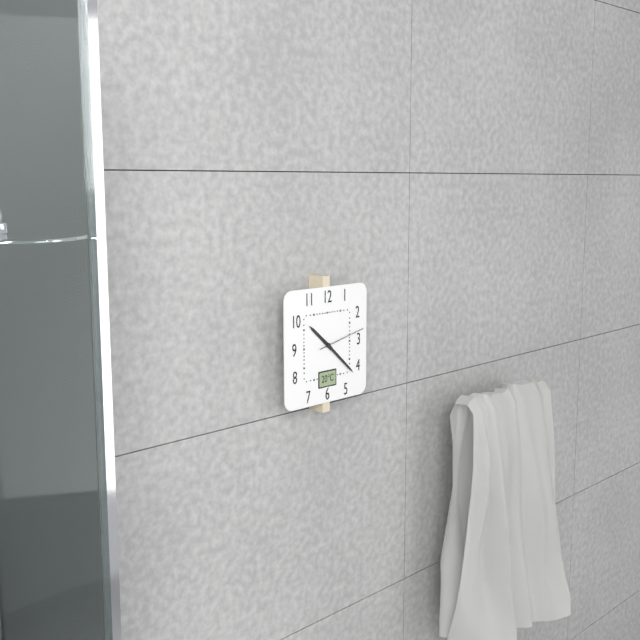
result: 10 h 22 min
